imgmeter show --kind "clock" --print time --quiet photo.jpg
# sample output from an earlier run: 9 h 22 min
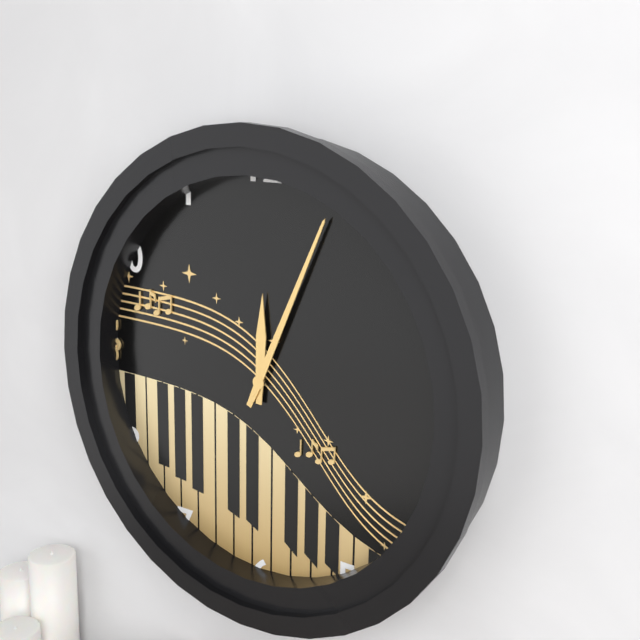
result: 12 h 04 min
